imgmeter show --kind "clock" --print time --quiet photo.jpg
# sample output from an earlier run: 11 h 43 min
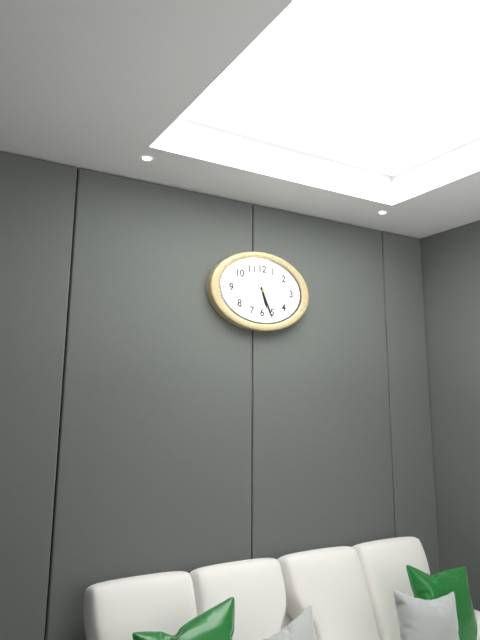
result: 5 h 26 min
